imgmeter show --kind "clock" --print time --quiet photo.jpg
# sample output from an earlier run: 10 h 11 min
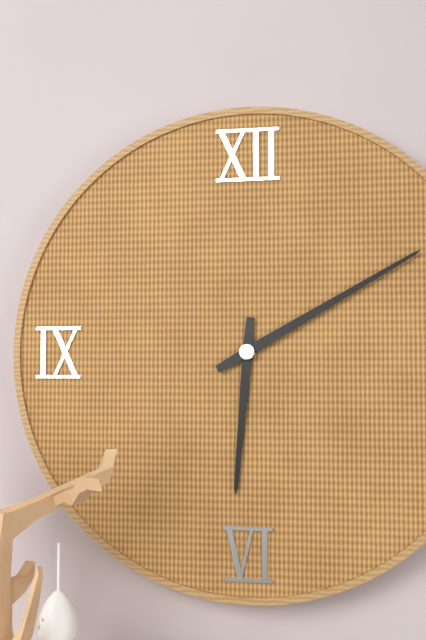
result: 6 h 10 min
